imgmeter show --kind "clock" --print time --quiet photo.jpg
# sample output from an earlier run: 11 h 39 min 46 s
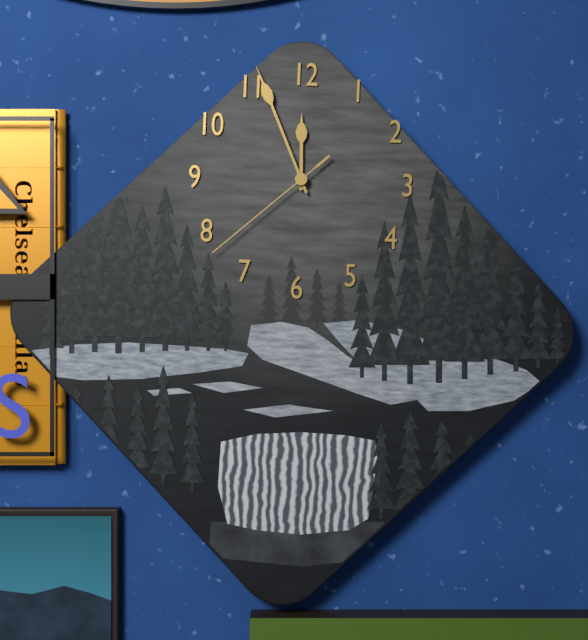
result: 11 h 56 min 38 s
